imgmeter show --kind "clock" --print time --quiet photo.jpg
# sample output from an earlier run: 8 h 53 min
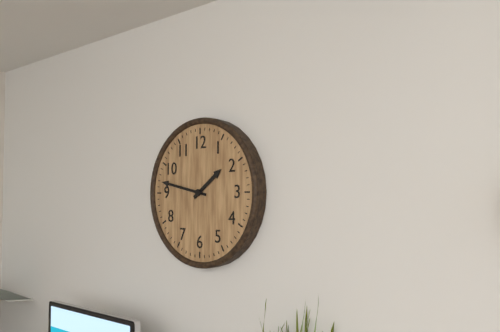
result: 1 h 47 min
